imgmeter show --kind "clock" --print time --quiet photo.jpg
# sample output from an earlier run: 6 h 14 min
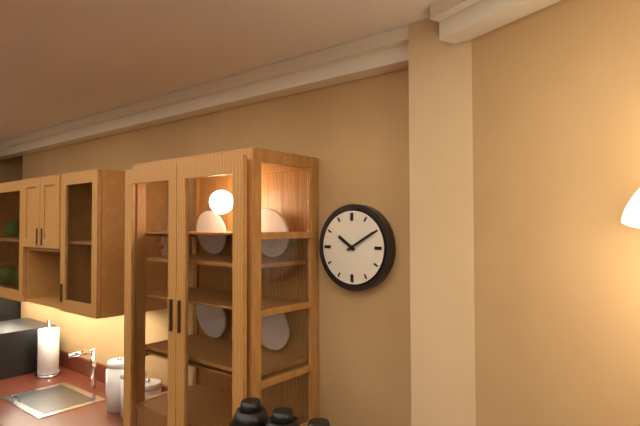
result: 10 h 10 min
